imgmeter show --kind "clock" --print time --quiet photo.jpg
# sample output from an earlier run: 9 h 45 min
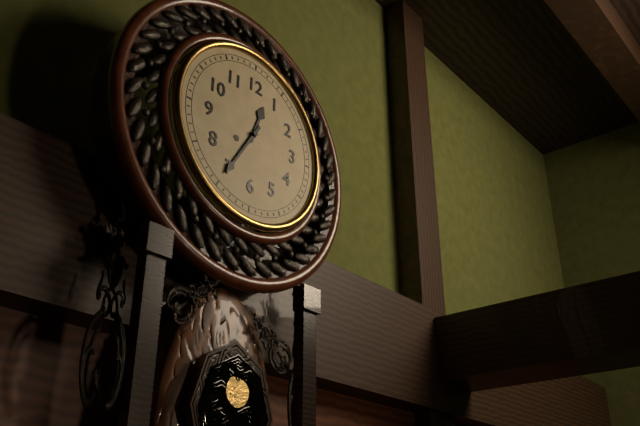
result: 12 h 35 min
